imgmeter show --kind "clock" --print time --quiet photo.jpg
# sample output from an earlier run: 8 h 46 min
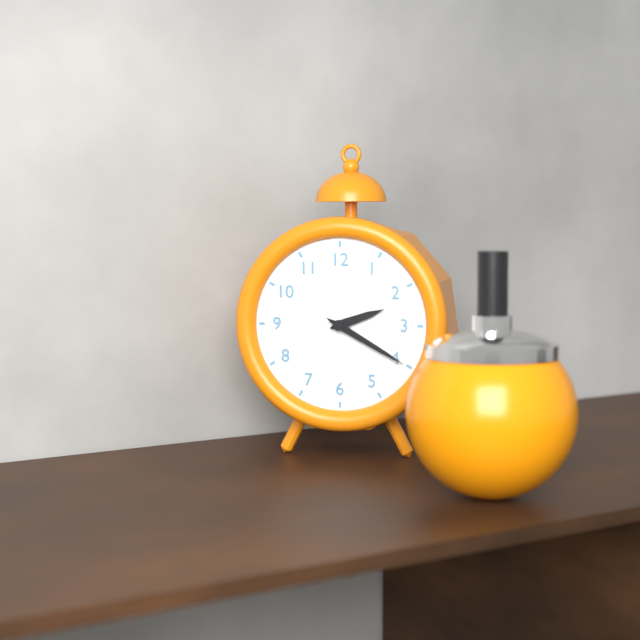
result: 2 h 20 min
